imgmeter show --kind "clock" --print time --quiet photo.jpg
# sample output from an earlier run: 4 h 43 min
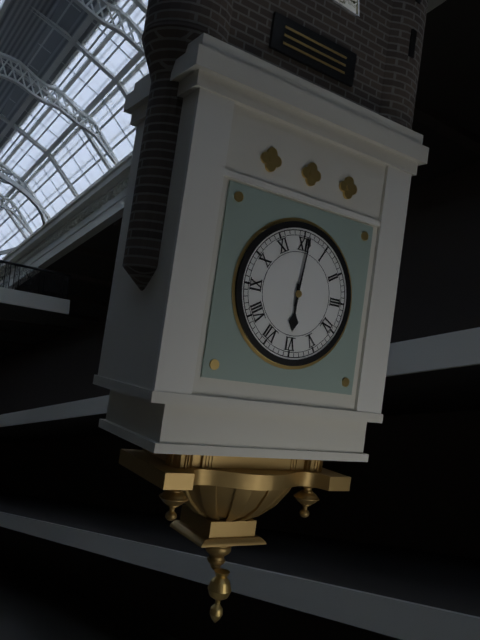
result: 6 h 01 min
